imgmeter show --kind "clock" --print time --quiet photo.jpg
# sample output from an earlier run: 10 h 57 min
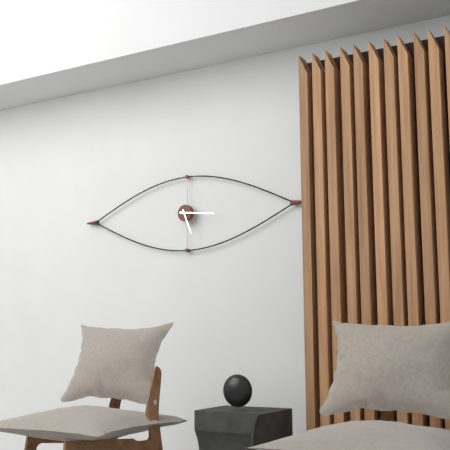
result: 5 h 16 min
